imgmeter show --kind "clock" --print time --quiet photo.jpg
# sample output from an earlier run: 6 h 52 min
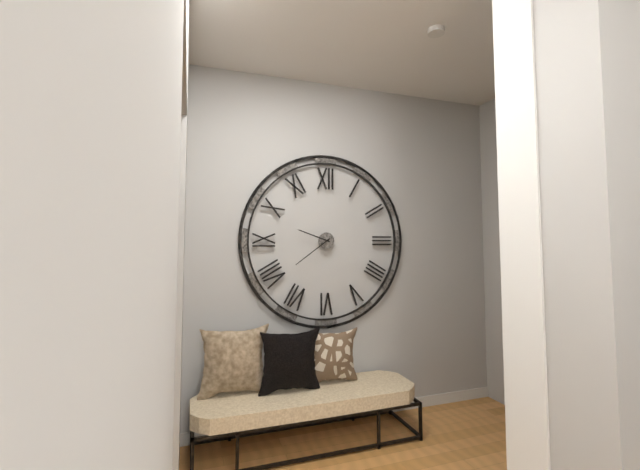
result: 9 h 39 min
